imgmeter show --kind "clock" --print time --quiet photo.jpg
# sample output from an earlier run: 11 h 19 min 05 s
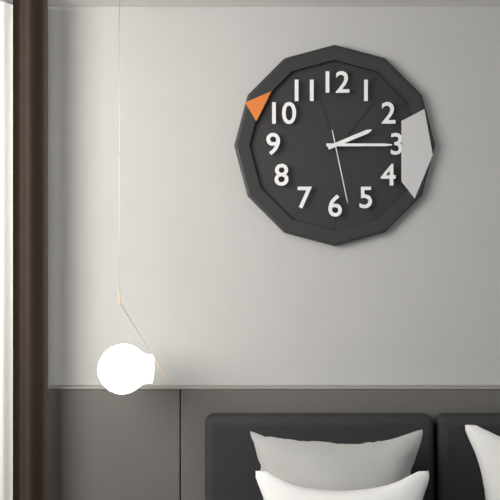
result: 2 h 15 min 28 s
